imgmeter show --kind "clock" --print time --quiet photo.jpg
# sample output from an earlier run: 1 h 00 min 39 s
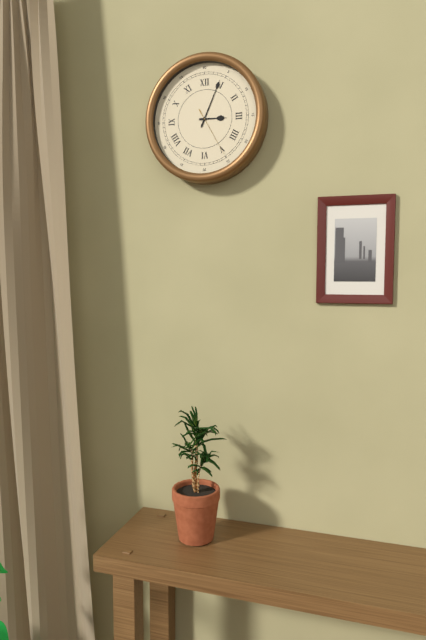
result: 3 h 04 min 25 s
